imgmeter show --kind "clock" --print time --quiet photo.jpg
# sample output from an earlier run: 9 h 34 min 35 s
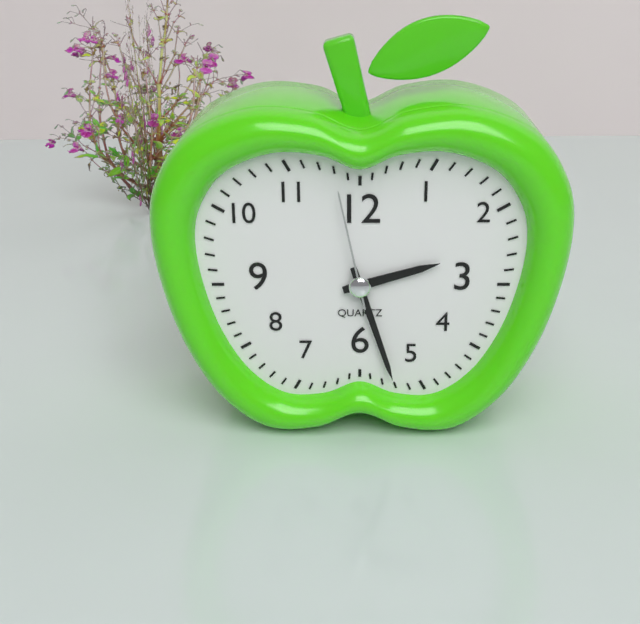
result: 2 h 27 min 58 s
